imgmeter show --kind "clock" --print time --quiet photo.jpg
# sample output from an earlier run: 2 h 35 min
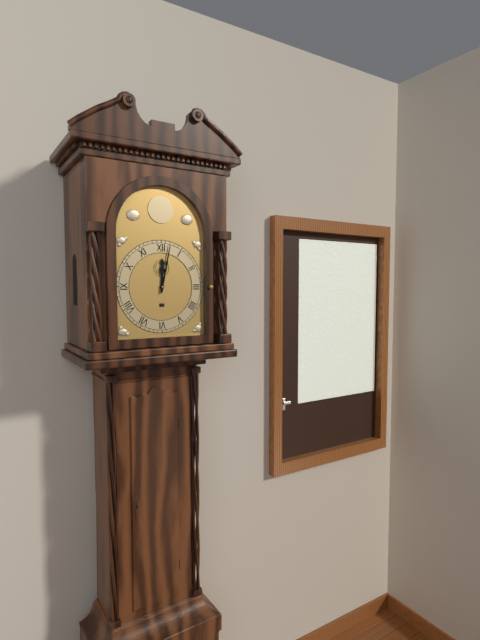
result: 12 h 02 min
